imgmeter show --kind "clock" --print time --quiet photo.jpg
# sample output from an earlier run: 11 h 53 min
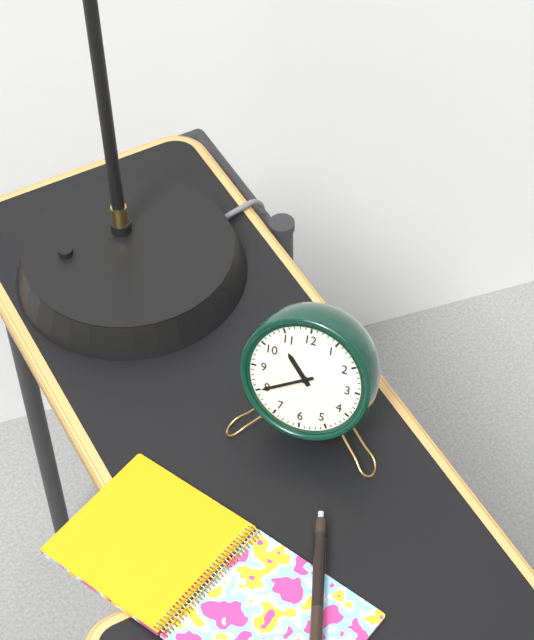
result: 10 h 40 min
